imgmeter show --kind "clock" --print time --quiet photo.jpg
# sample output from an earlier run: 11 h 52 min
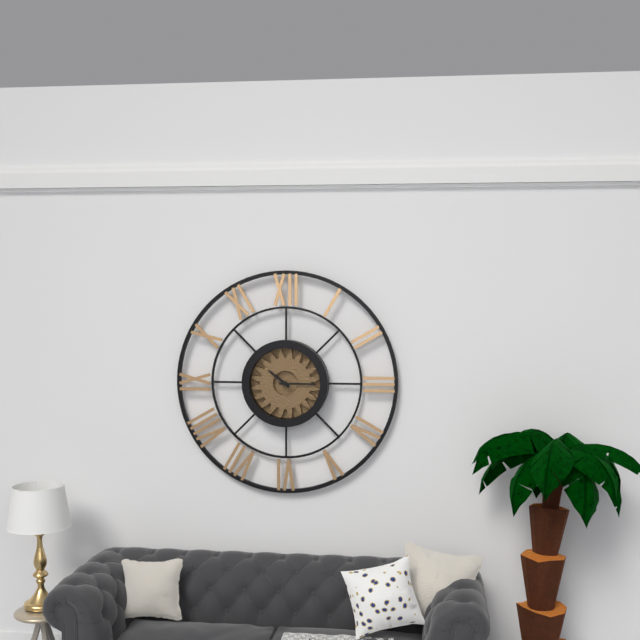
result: 10 h 15 min
